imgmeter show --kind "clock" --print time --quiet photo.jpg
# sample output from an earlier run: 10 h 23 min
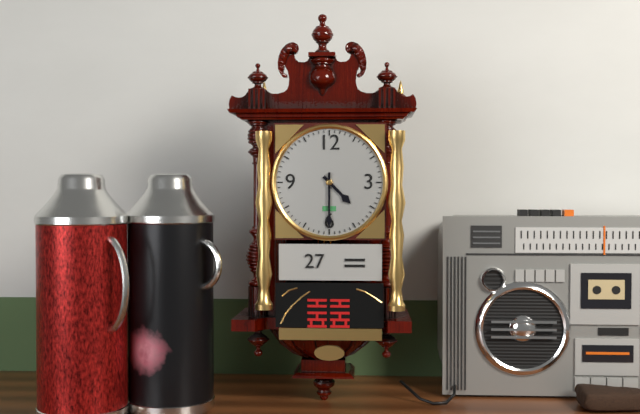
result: 4 h 30 min
